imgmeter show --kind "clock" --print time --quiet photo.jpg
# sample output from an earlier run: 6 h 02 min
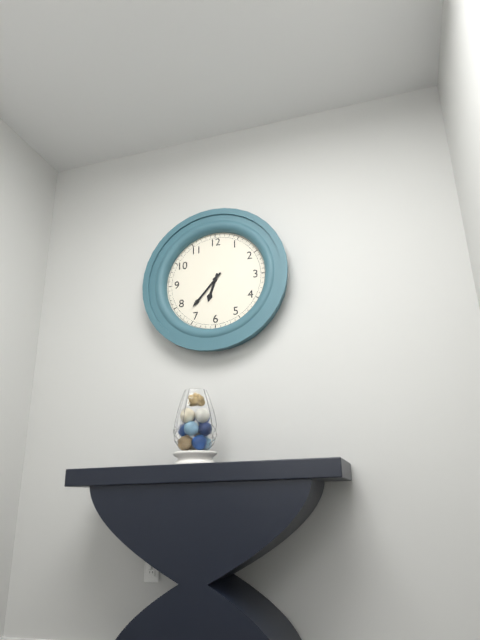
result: 6 h 37 min
